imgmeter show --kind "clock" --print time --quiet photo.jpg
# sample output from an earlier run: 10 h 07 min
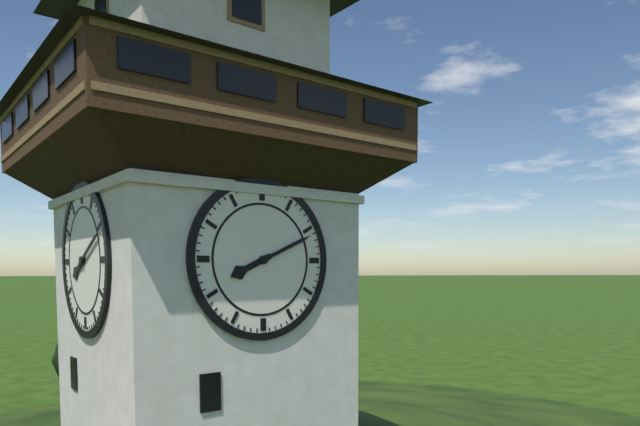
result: 8 h 11 min
